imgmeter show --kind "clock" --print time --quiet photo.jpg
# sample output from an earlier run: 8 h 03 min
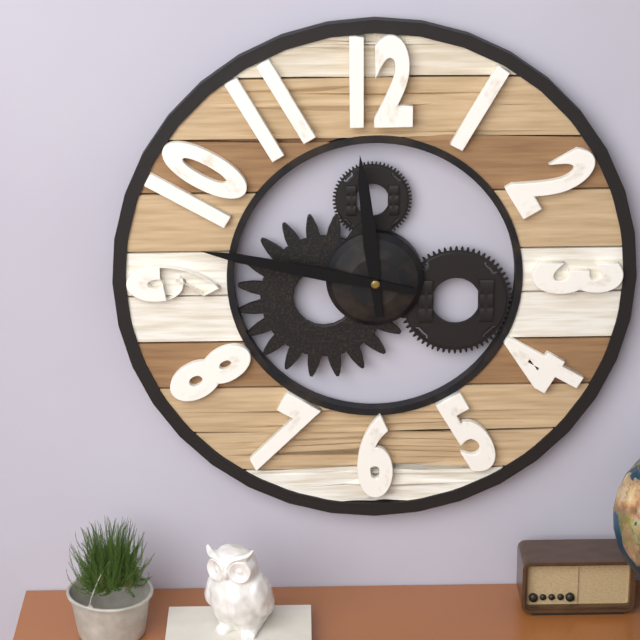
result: 11 h 47 min
